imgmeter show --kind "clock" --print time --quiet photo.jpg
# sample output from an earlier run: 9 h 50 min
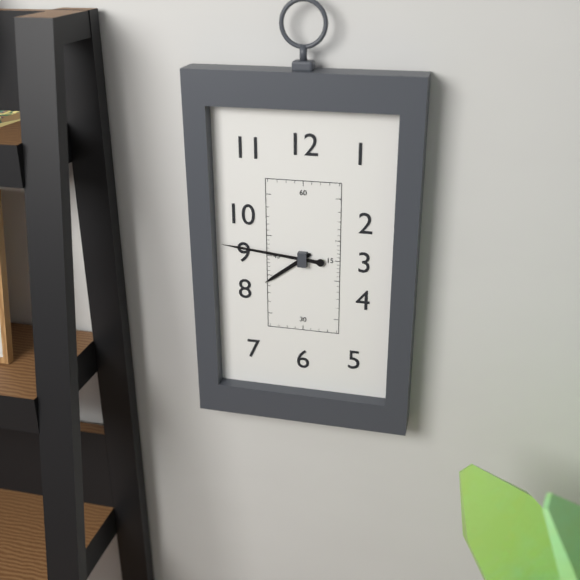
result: 7 h 46 min
